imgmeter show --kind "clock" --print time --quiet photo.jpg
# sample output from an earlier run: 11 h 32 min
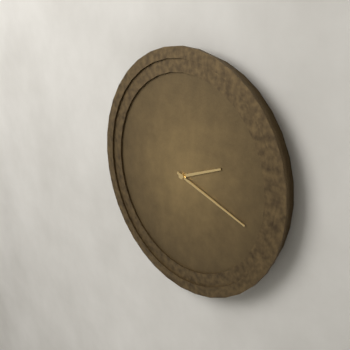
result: 2 h 18 min
